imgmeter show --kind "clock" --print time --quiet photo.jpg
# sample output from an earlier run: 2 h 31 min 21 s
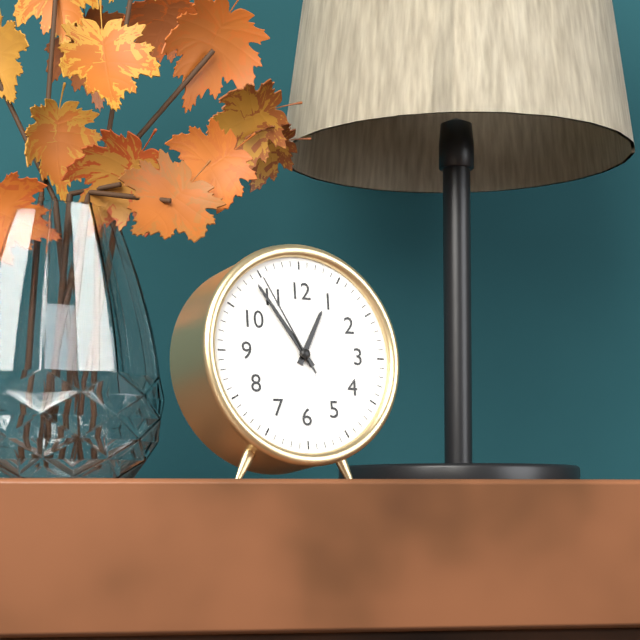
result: 12 h 54 min 55 s
